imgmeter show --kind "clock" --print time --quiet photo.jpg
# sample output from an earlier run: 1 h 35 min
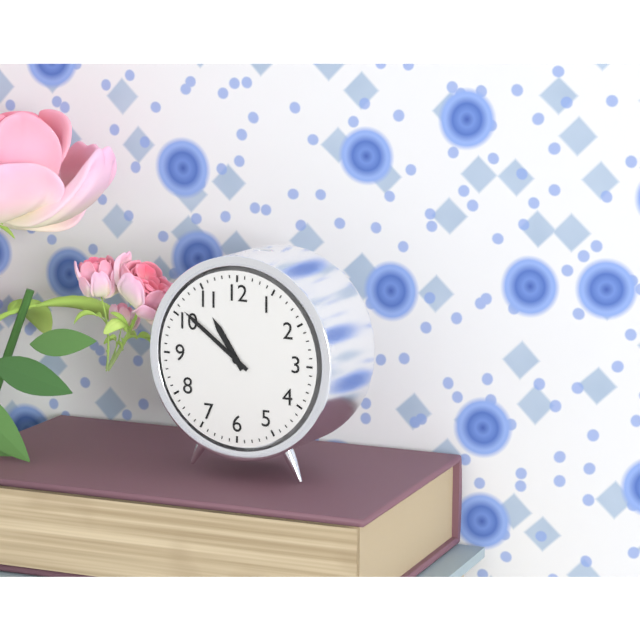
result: 10 h 51 min
